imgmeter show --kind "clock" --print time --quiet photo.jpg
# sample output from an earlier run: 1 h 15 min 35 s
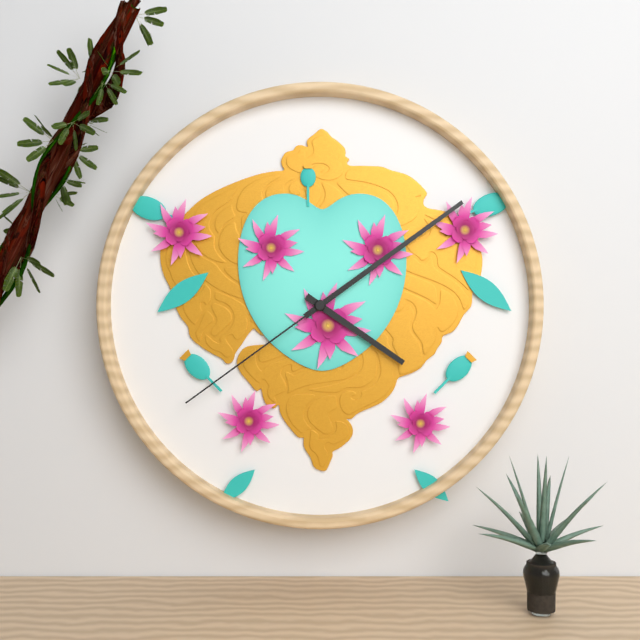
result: 4 h 09 min 39 s
